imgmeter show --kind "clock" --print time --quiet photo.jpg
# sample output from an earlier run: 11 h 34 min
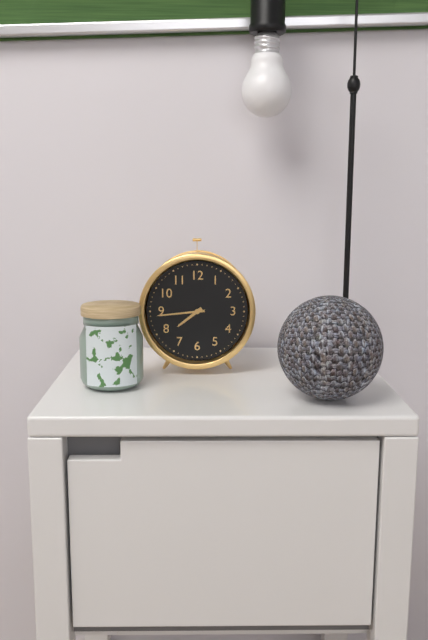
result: 7 h 44 min
